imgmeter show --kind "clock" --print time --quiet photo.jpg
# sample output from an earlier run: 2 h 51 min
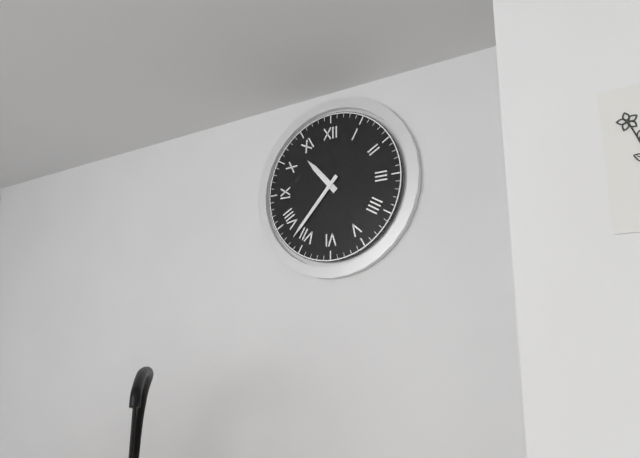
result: 10 h 37 min
